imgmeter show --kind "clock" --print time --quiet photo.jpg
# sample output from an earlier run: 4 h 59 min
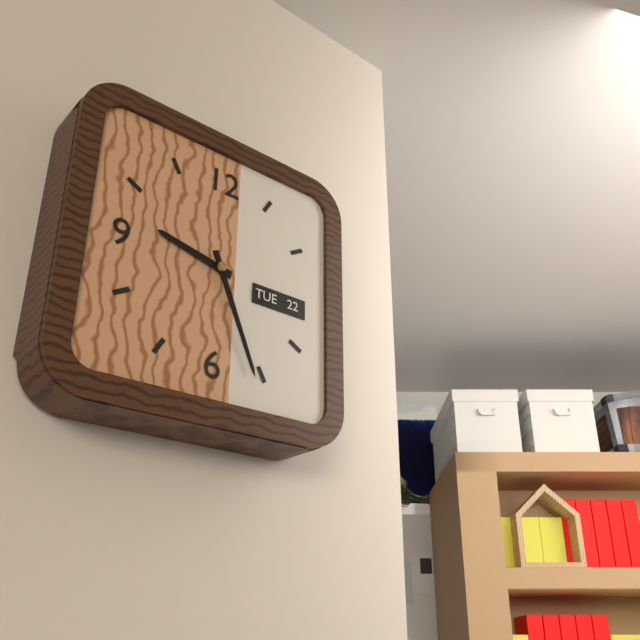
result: 9 h 26 min
